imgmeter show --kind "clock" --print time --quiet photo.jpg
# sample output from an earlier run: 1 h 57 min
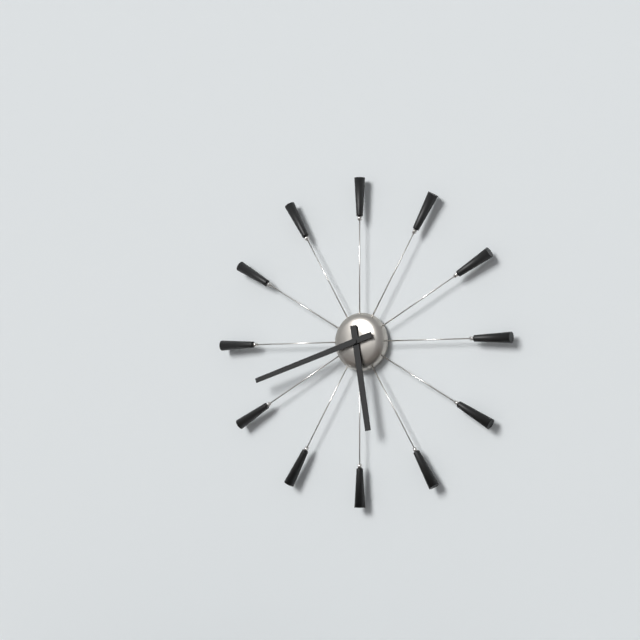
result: 5 h 42 min
